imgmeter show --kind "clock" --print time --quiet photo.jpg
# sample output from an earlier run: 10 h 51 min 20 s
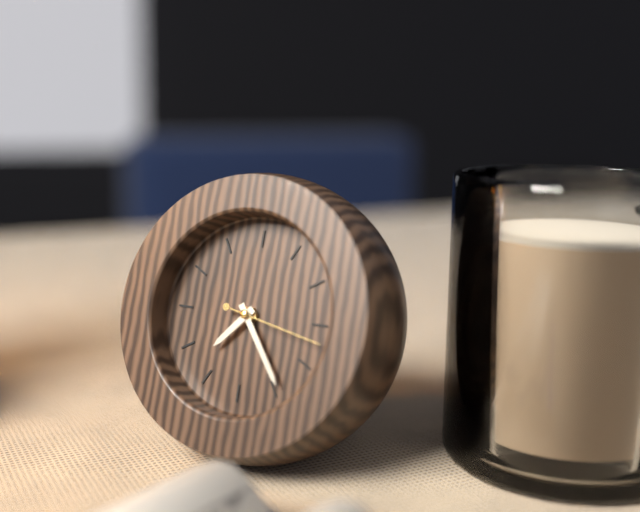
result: 7 h 24 min 17 s
